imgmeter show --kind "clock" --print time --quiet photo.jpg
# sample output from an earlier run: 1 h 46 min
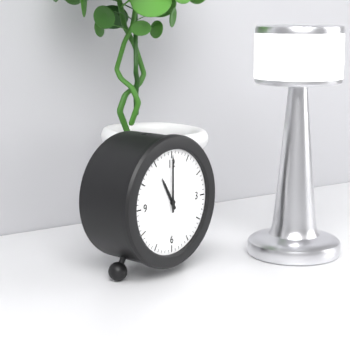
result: 11 h 00 min
